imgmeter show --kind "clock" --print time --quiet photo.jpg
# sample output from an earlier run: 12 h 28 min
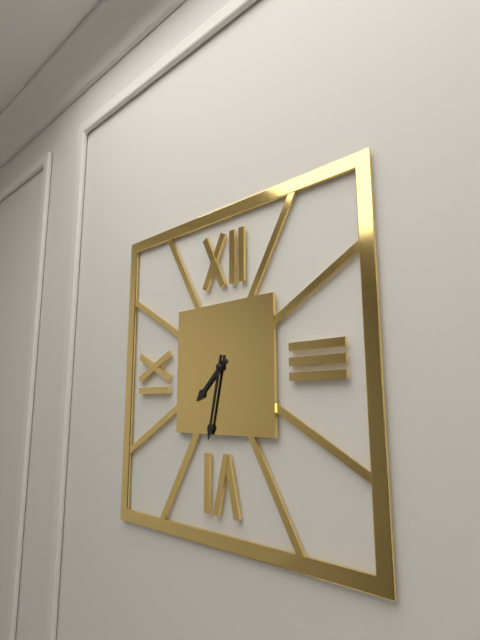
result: 7 h 32 min
